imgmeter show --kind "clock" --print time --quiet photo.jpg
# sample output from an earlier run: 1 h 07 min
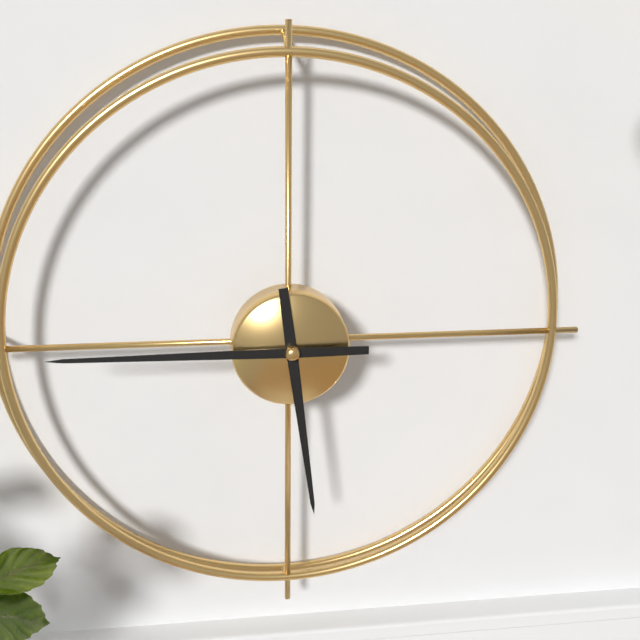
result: 5 h 45 min
